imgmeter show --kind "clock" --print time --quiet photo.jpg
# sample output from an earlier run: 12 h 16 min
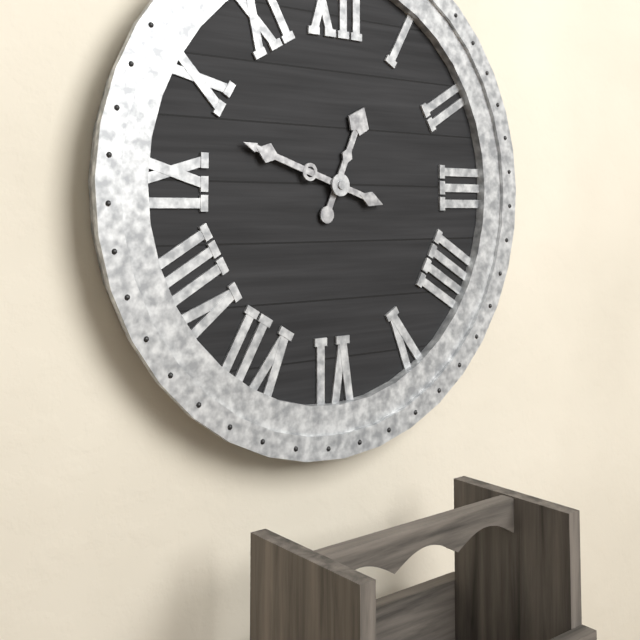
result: 12 h 48 min
